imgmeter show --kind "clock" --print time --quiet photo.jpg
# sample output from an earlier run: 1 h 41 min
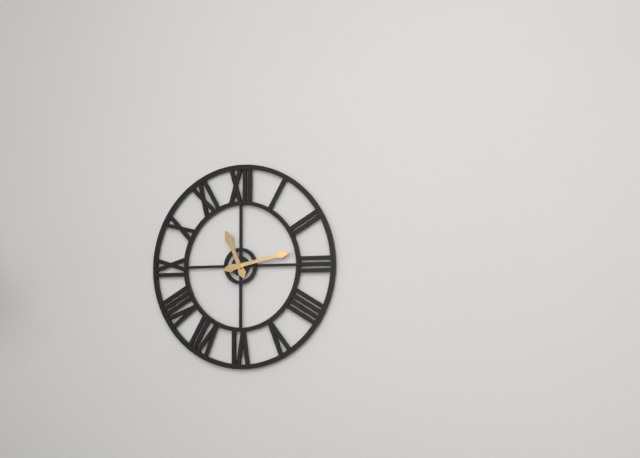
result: 11 h 13 min
